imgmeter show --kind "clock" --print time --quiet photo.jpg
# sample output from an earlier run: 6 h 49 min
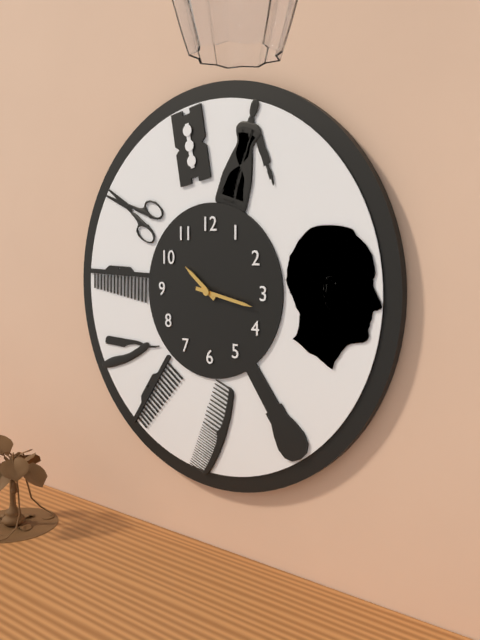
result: 10 h 17 min
